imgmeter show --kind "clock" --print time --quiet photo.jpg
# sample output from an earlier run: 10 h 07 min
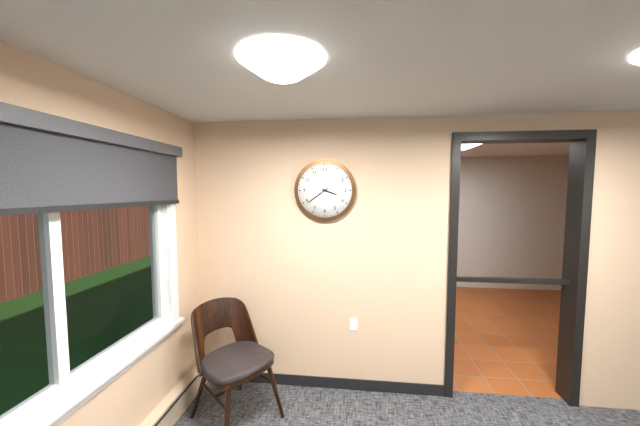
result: 3 h 39 min
